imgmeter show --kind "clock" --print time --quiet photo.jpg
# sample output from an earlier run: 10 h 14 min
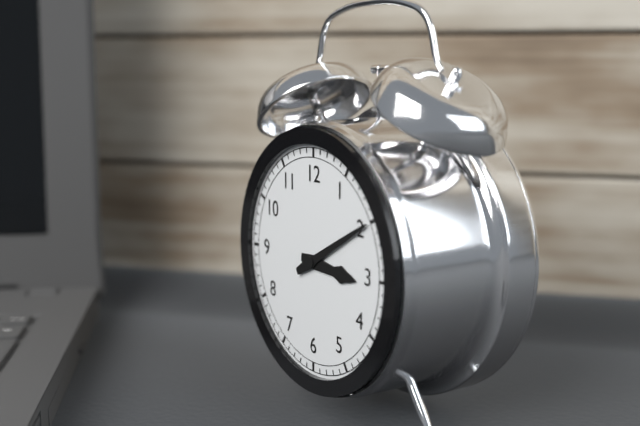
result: 3 h 10 min
